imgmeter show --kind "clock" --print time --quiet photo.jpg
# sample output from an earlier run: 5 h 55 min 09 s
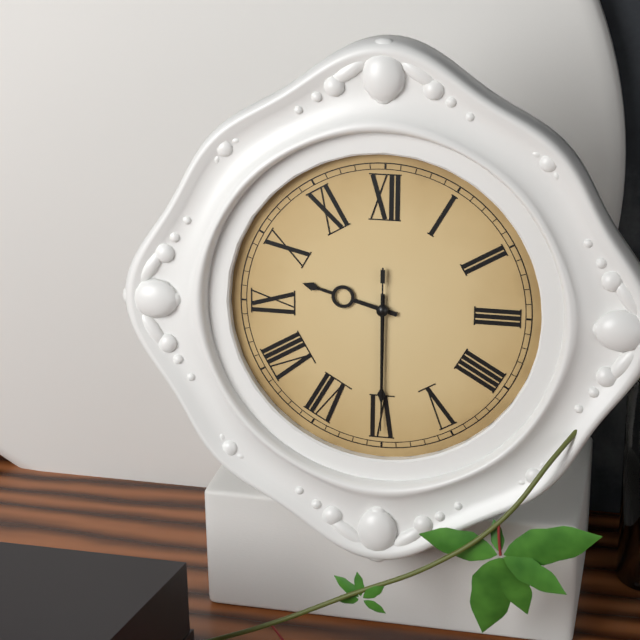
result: 9 h 30 min 30 s
